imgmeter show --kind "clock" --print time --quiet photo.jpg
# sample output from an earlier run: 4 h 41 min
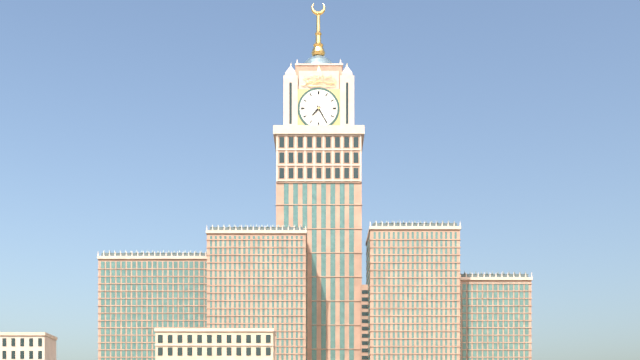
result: 7 h 25 min
